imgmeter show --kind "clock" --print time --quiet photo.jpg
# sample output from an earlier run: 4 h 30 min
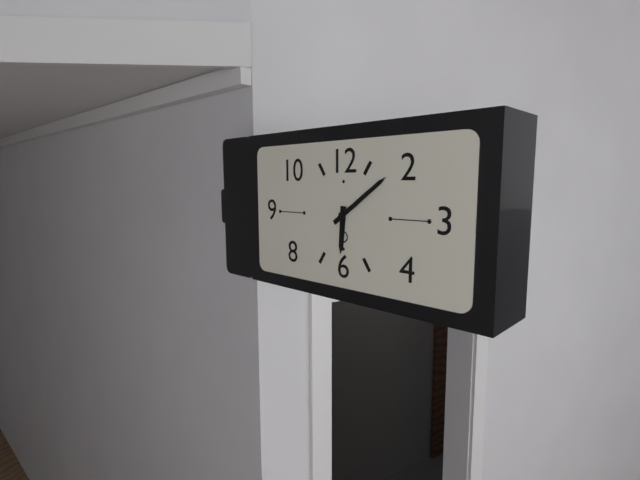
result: 6 h 09 min
